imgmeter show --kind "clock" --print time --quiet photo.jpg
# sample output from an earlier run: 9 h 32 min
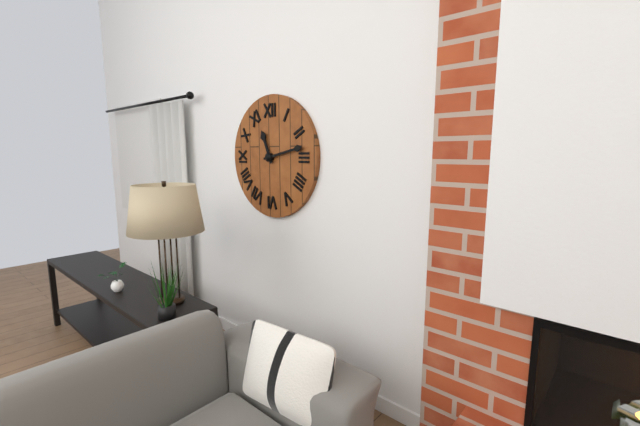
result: 11 h 13 min
